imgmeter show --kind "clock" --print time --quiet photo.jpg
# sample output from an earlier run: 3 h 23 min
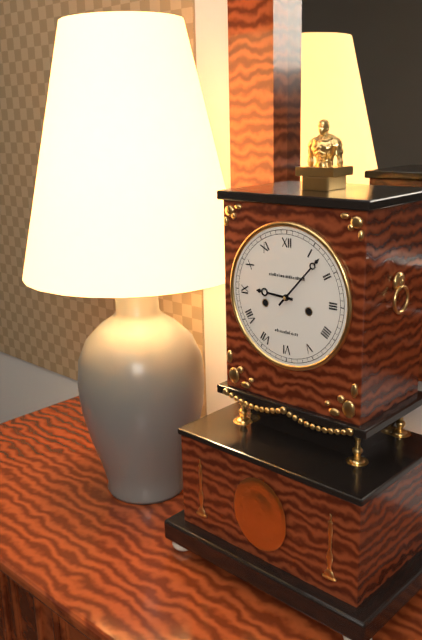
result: 9 h 07 min
